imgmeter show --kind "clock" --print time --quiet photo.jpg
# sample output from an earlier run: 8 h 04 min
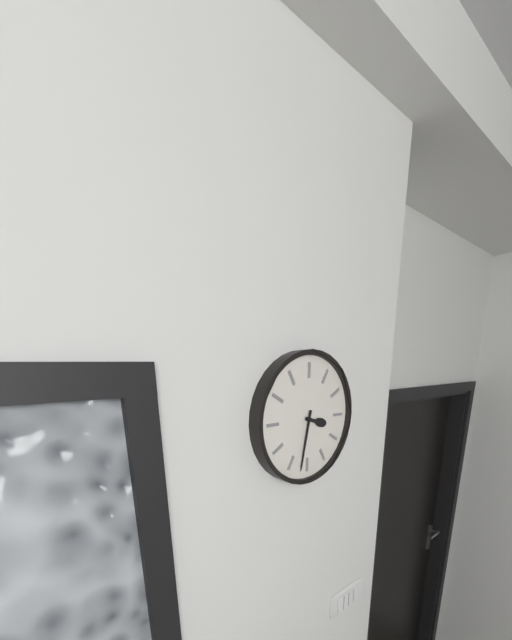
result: 3 h 32 min
